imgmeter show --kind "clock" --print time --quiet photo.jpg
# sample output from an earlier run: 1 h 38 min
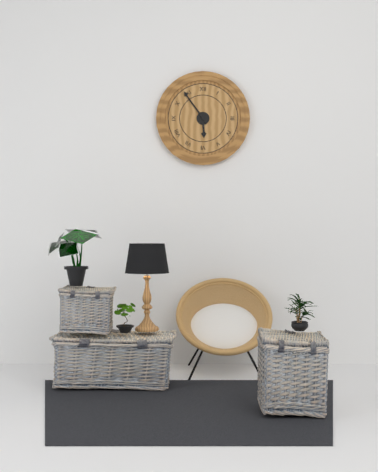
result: 5 h 54 min
